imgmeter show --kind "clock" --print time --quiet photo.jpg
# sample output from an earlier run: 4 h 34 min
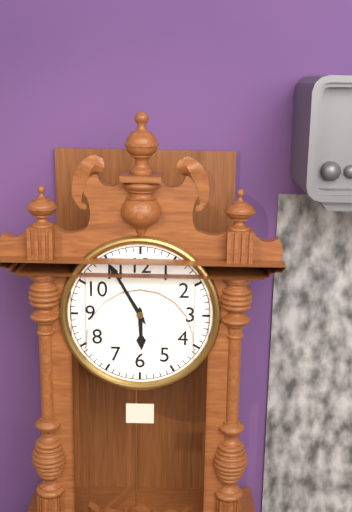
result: 5 h 55 min
